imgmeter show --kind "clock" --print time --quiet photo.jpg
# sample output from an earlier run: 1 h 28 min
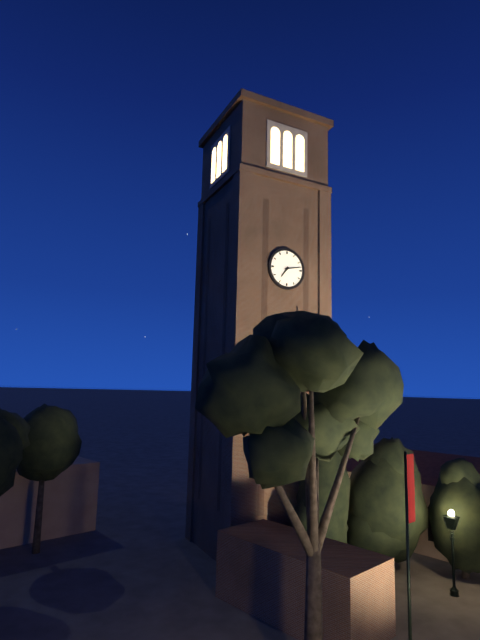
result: 7 h 13 min
